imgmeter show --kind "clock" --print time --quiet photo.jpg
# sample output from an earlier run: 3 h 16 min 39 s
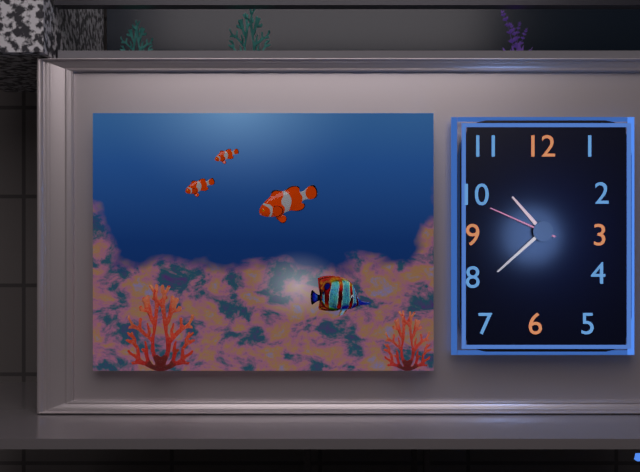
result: 10 h 38 min 49 s
